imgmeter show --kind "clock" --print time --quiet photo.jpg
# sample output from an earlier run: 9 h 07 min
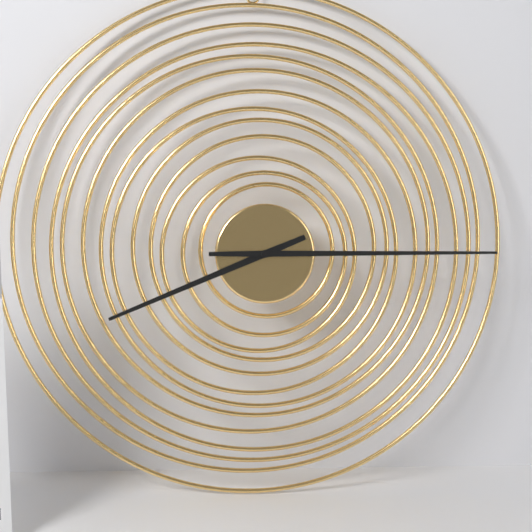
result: 8 h 15 min
